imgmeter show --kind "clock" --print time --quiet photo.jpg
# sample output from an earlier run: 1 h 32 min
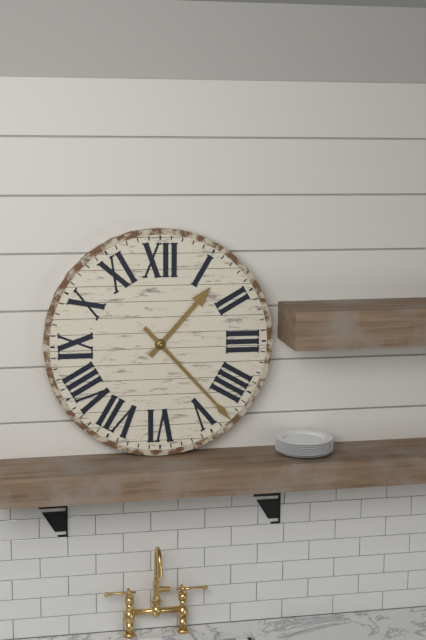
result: 1 h 23 min
